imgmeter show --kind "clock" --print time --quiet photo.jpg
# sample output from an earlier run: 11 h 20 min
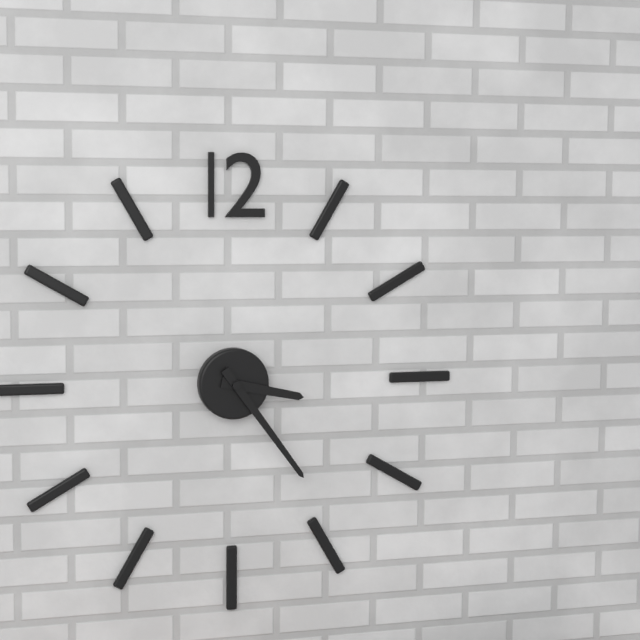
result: 3 h 24 min
